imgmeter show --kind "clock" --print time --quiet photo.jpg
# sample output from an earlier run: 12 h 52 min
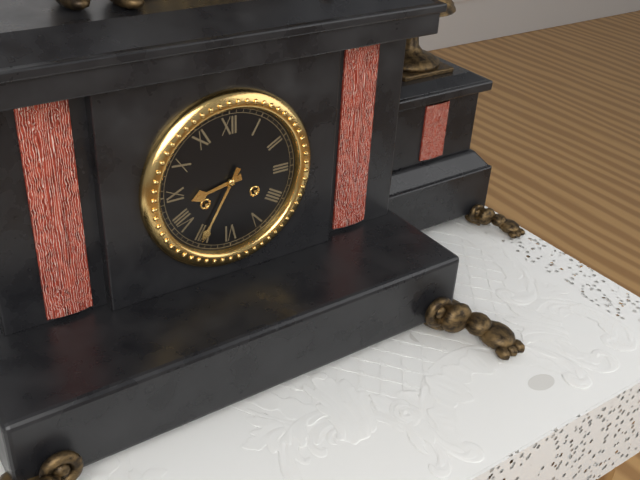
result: 8 h 35 min
